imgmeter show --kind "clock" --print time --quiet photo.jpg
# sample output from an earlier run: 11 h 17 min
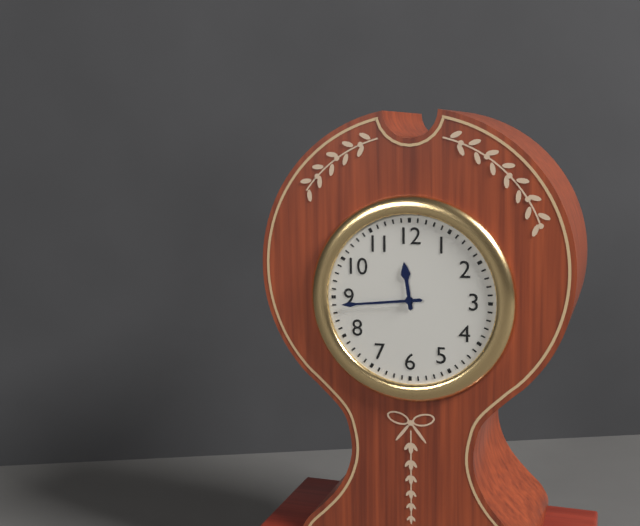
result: 11 h 44 min
